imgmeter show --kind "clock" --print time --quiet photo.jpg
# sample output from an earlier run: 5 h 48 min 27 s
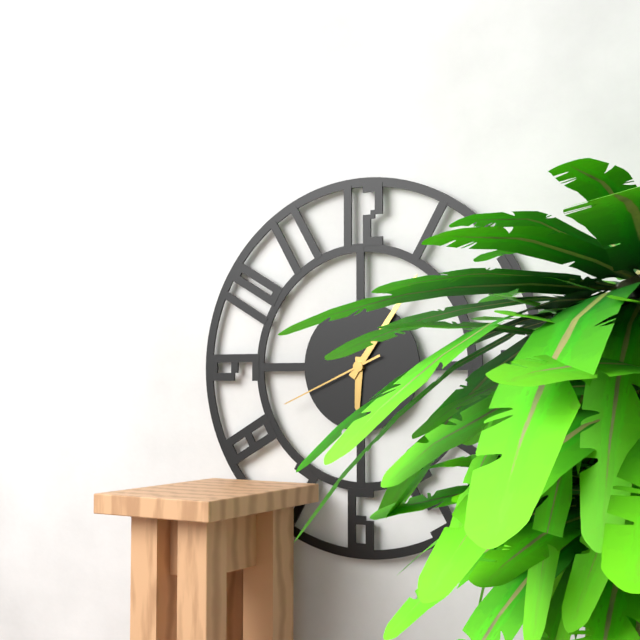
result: 6 h 06 min 41 s
